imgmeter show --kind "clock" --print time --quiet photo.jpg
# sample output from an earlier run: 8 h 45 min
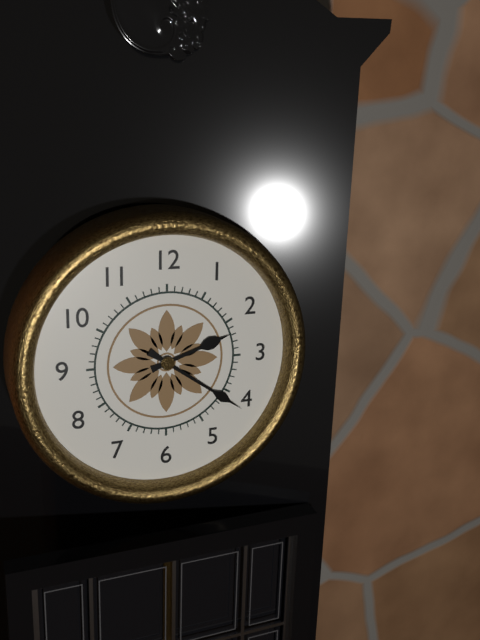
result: 2 h 21 min
